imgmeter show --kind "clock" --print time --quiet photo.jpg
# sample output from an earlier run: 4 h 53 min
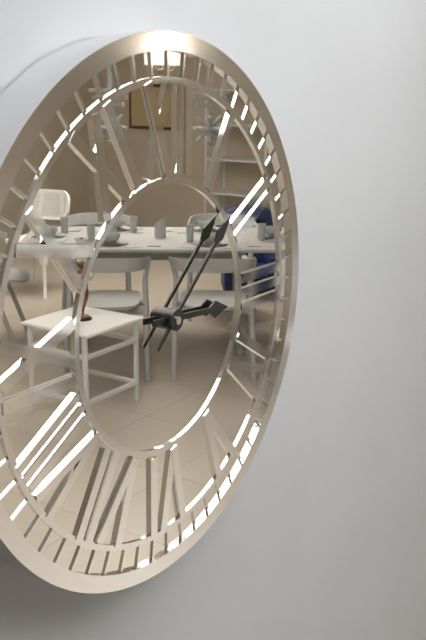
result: 3 h 08 min
